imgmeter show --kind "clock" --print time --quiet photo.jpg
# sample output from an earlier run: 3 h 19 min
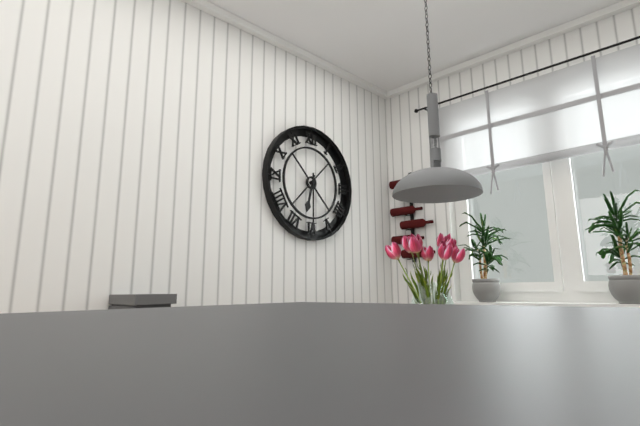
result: 6 h 30 min
